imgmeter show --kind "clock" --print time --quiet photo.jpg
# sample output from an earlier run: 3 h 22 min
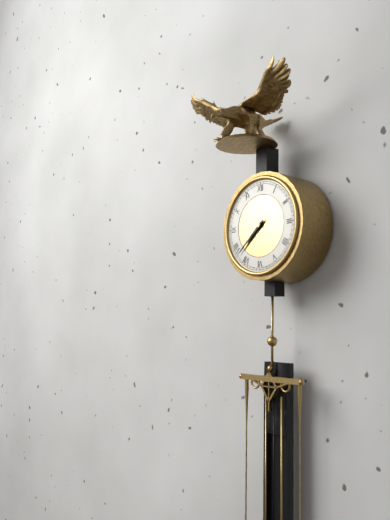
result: 7 h 38 min
